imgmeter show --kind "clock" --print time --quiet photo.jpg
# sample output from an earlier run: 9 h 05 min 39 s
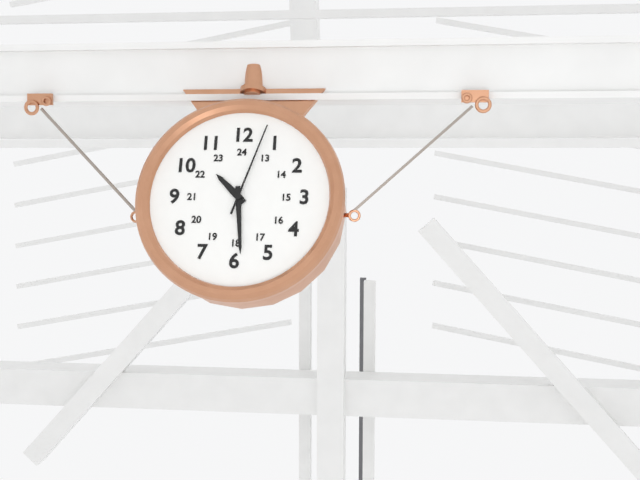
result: 10 h 29 min 03 s
